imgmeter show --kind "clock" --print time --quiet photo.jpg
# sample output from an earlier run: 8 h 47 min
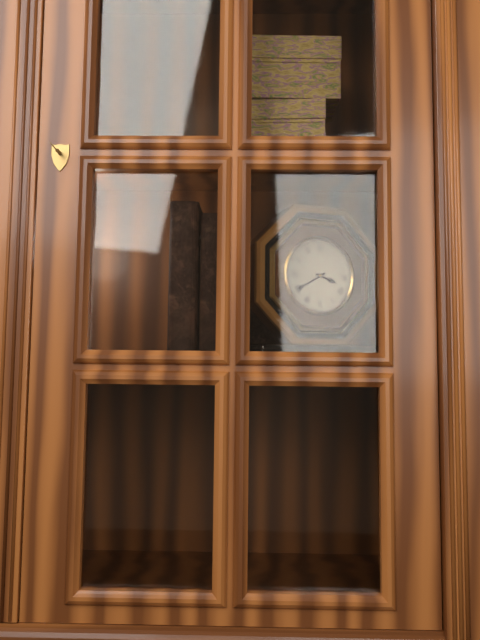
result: 3 h 40 min
